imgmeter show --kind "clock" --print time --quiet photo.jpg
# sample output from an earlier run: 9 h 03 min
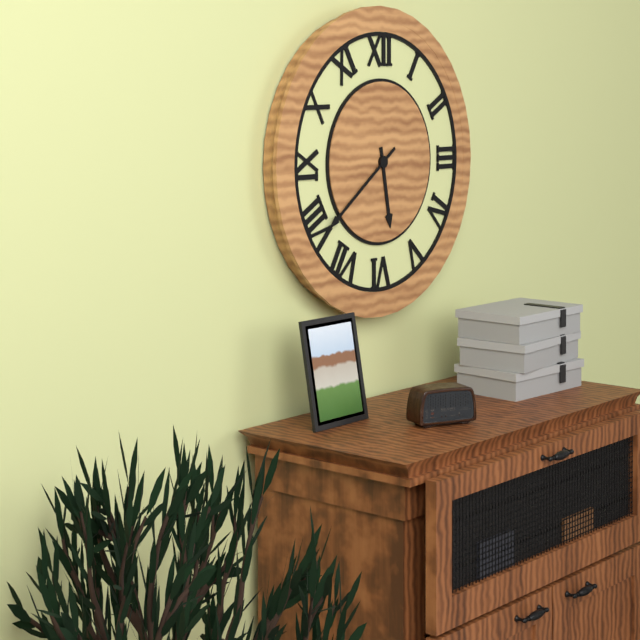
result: 5 h 39 min
